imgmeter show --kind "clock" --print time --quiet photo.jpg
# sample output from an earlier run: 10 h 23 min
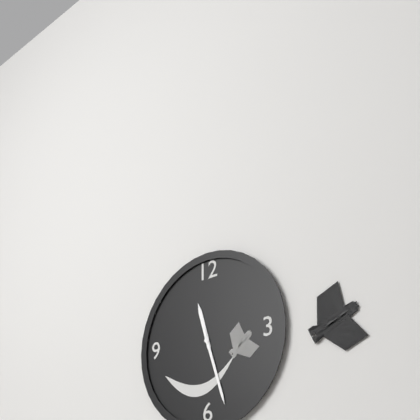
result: 11 h 27 min
